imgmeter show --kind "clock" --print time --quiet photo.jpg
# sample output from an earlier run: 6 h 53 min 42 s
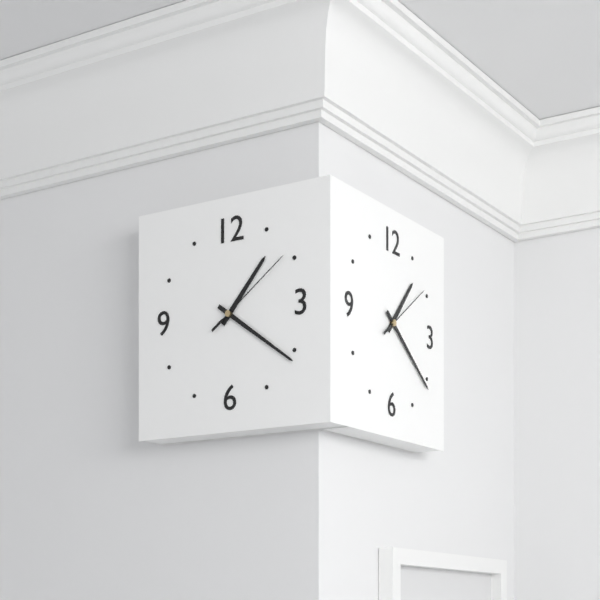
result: 1 h 21 min 09 s
